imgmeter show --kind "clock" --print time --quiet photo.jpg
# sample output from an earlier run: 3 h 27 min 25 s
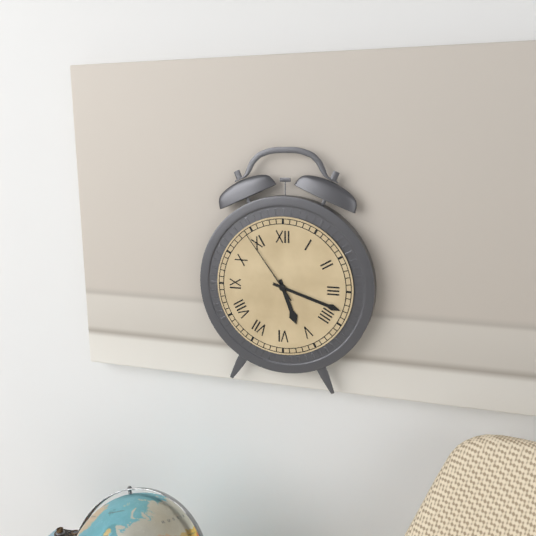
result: 5 h 18 min 54 s
